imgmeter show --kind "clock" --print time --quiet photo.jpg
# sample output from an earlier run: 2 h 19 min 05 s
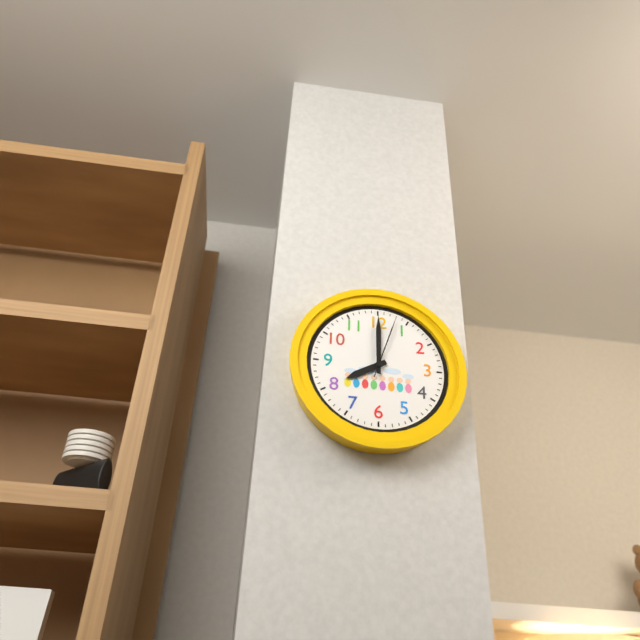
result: 8 h 00 min 03 s
